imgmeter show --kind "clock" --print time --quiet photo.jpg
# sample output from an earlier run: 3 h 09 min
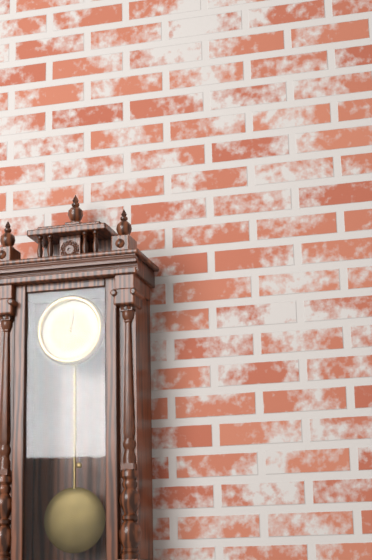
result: 12 h 19 min
